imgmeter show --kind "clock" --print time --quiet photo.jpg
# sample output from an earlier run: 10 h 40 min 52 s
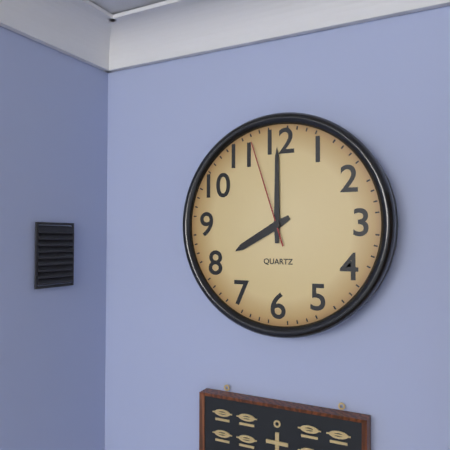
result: 8 h 00 min 57 s
